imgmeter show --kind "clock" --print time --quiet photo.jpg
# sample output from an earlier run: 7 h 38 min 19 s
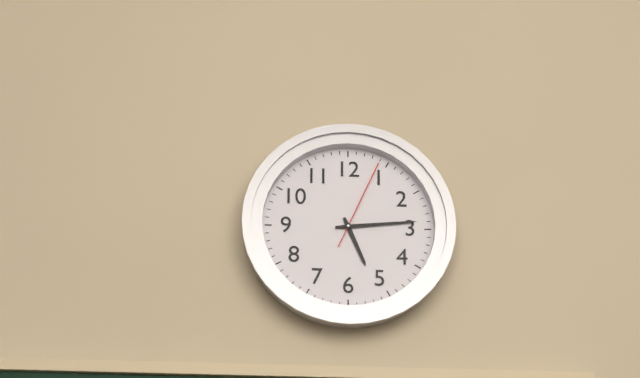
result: 5 h 14 min 04 s
